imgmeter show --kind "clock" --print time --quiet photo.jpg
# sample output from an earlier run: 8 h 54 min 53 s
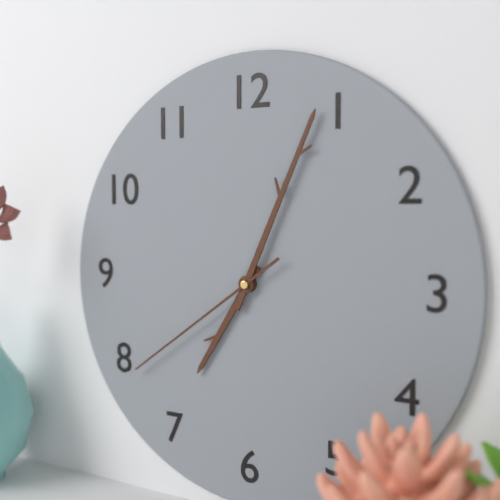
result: 7 h 04 min 39 s
